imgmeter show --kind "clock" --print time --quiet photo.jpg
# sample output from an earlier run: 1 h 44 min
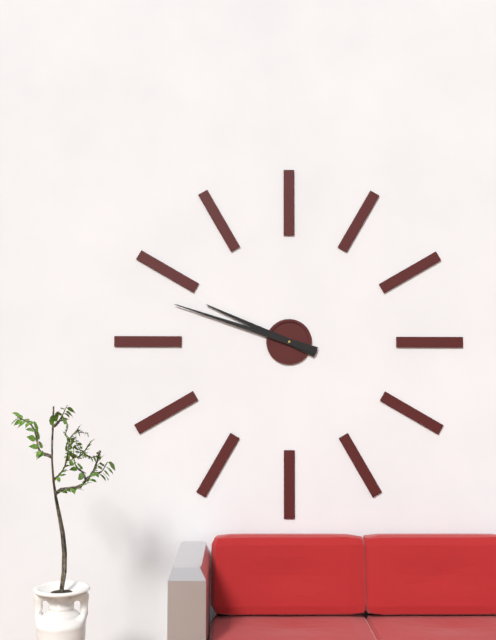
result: 9 h 48 min
